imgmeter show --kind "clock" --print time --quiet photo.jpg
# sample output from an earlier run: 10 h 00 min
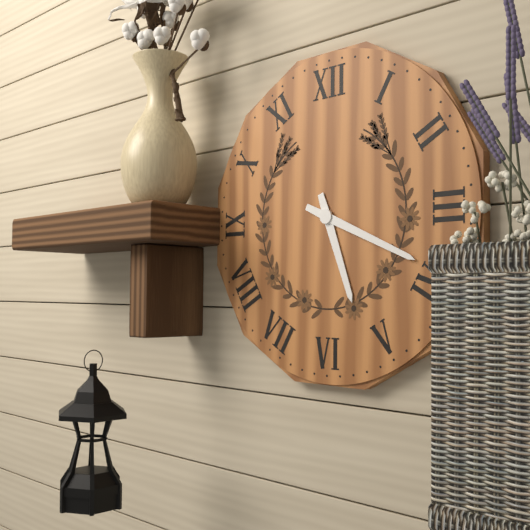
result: 5 h 19 min
